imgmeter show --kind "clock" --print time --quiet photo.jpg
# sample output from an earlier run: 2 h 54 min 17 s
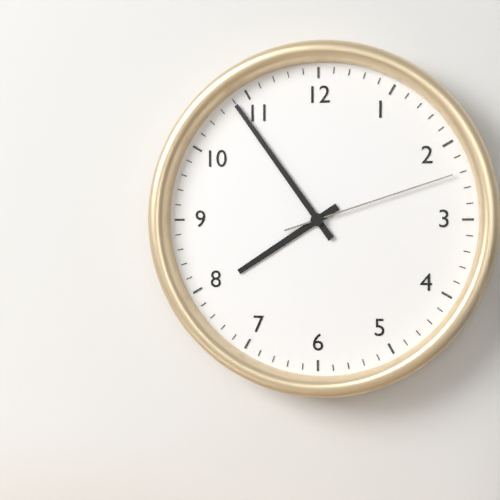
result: 7 h 54 min 12 s
